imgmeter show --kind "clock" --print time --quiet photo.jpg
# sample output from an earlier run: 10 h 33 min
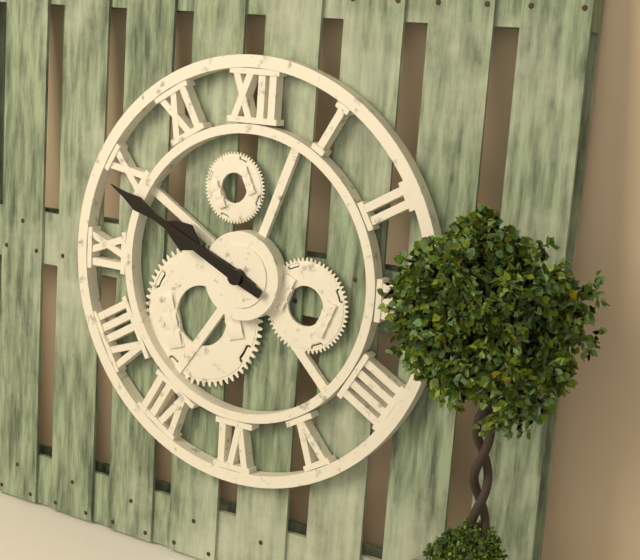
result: 9 h 49 min
